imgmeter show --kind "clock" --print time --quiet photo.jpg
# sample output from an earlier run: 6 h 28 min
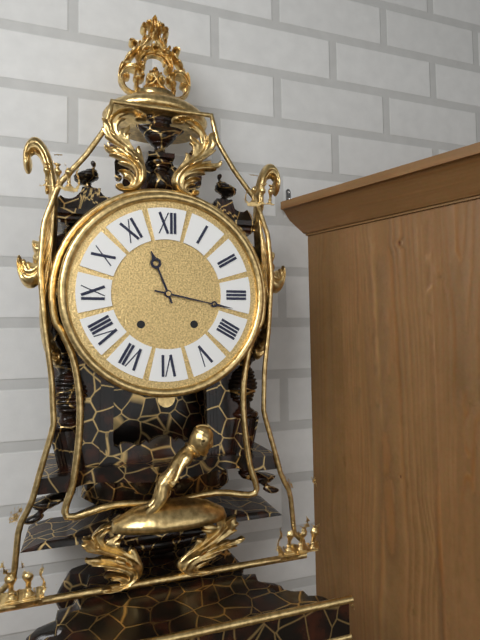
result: 11 h 17 min
